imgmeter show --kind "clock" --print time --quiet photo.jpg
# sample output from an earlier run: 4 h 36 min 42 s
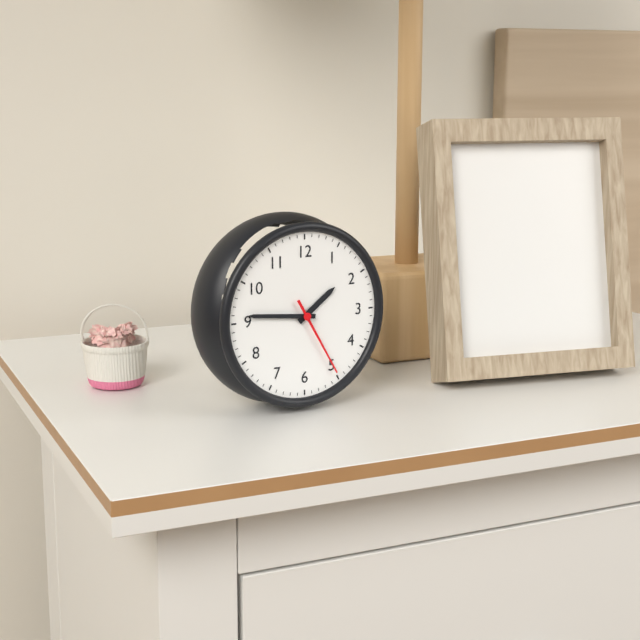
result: 1 h 46 min 25 s
